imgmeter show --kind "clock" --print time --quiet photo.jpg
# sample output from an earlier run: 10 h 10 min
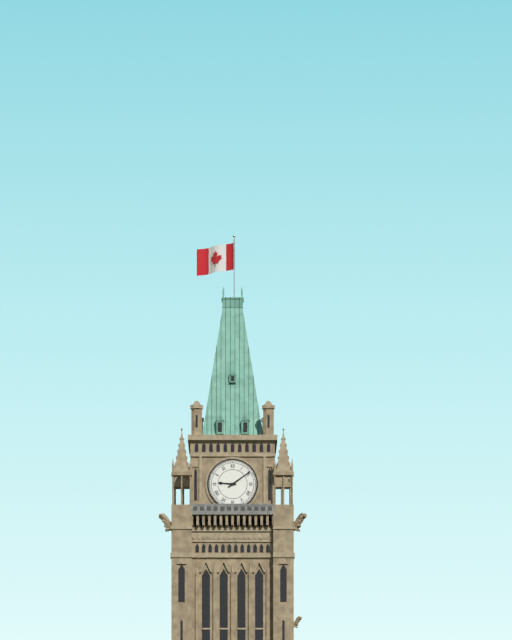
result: 9 h 09 min
